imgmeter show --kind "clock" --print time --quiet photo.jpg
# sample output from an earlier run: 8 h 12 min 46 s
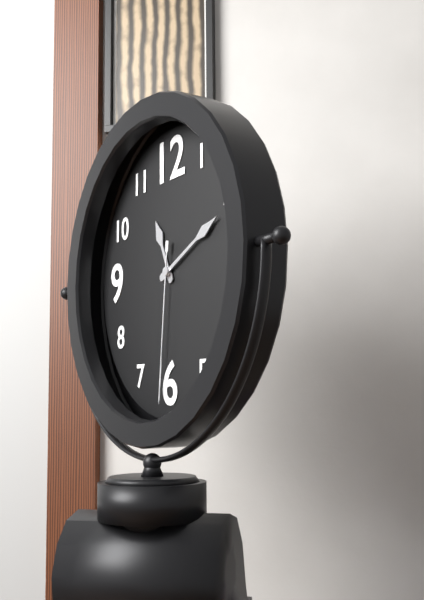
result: 11 h 11 min 31 s
